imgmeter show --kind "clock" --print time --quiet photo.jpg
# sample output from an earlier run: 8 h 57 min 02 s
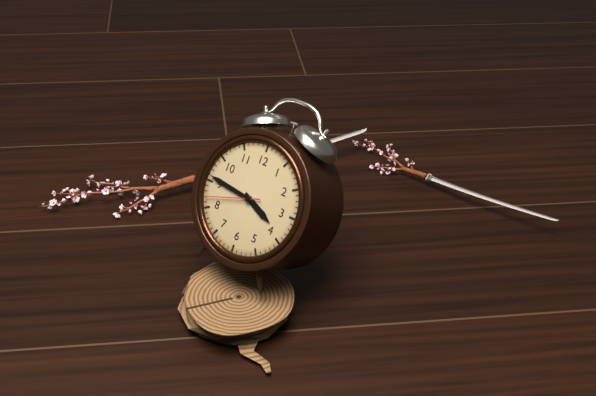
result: 3 h 46 min 42 s
